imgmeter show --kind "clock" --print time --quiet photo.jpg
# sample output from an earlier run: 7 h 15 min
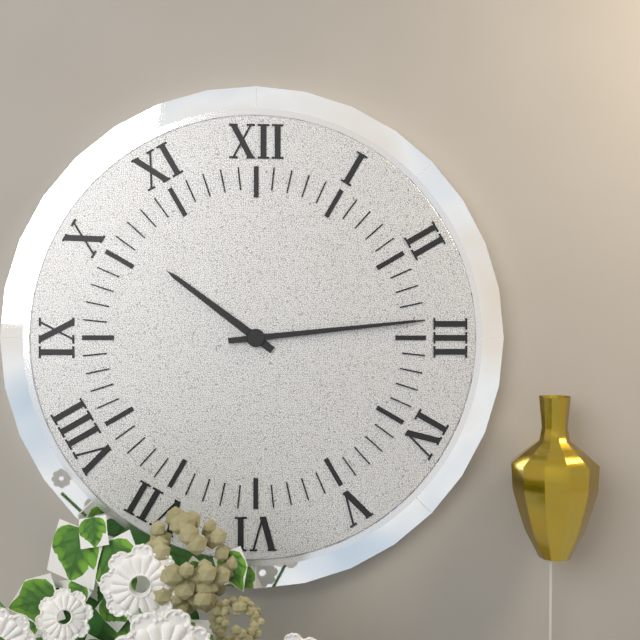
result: 10 h 14 min
